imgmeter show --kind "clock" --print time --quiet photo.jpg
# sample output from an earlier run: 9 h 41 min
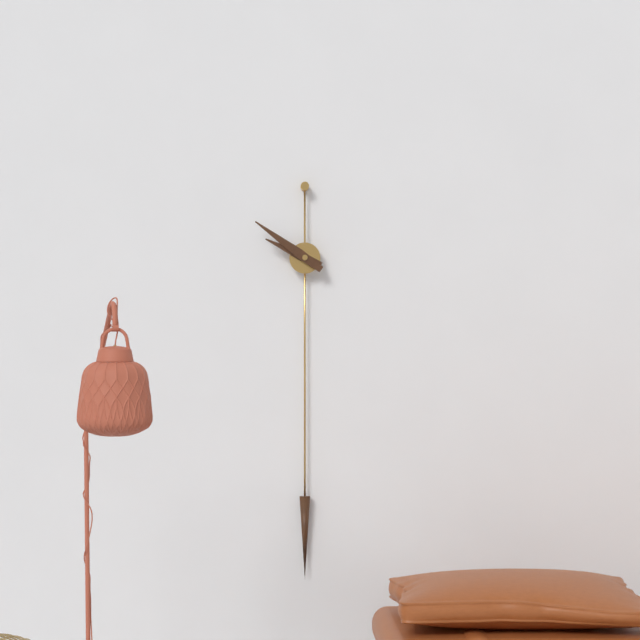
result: 9 h 51 min
